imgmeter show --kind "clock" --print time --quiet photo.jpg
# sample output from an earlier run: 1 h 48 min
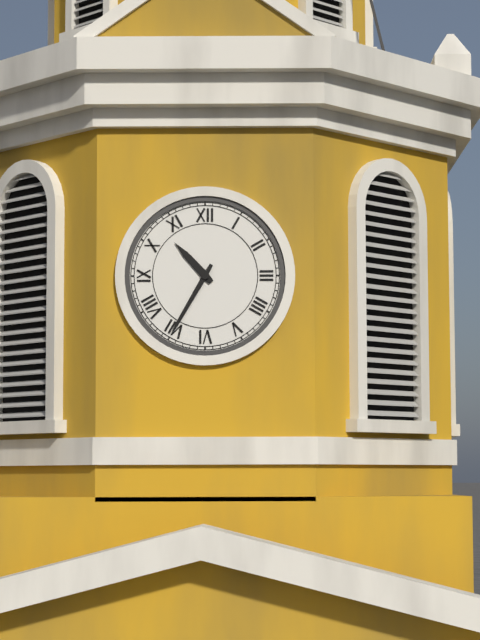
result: 10 h 35 min
